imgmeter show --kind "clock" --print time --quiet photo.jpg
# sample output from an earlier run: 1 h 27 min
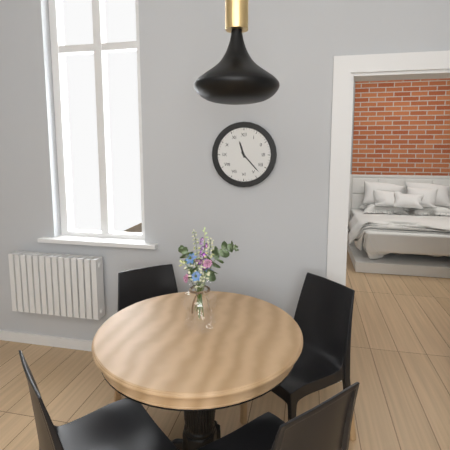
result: 11 h 23 min
